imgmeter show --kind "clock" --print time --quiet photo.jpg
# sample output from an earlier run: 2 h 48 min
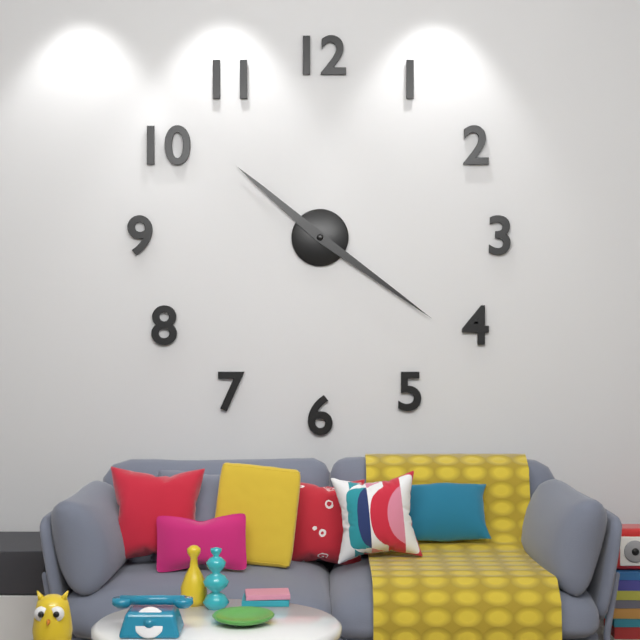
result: 10 h 21 min
